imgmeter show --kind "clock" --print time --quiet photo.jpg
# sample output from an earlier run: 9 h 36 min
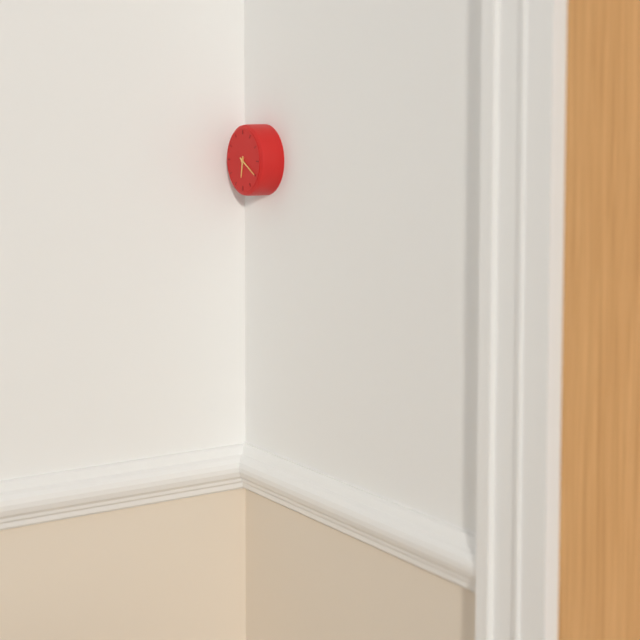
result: 6 h 20 min
